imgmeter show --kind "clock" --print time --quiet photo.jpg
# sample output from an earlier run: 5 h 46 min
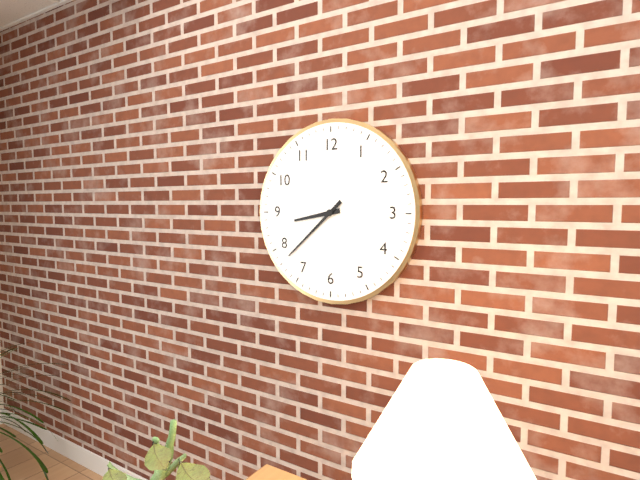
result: 8 h 38 min
